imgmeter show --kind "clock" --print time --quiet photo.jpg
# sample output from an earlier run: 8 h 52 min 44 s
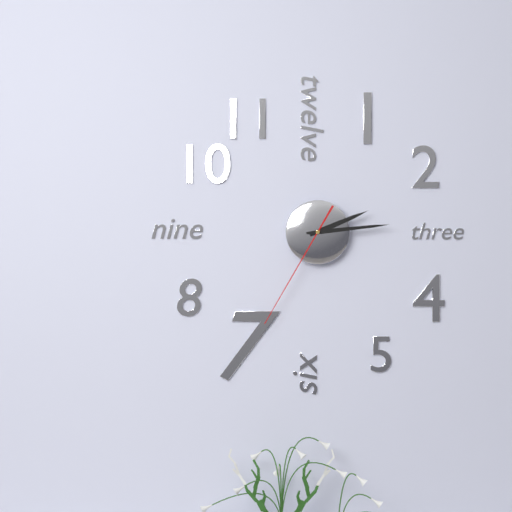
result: 2 h 14 min 35 s
